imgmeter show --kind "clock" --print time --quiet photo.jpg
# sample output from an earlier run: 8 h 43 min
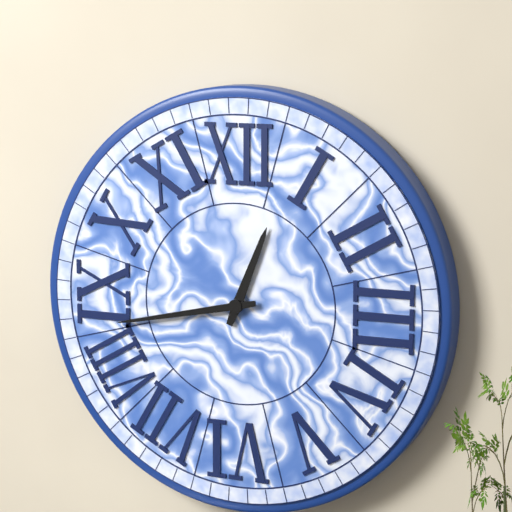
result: 12 h 43 min
